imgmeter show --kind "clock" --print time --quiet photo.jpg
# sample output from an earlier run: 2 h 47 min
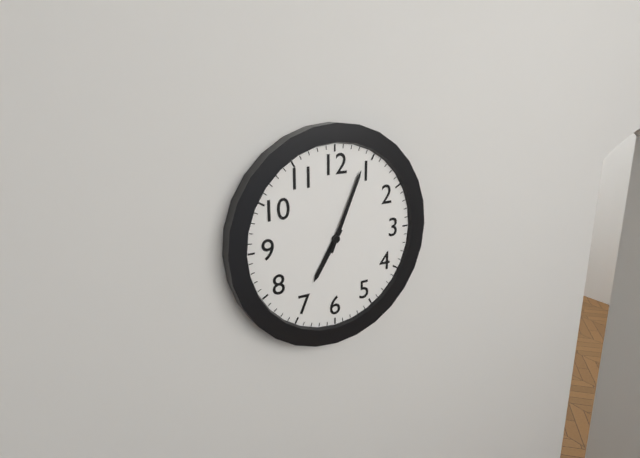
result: 7 h 04 min
